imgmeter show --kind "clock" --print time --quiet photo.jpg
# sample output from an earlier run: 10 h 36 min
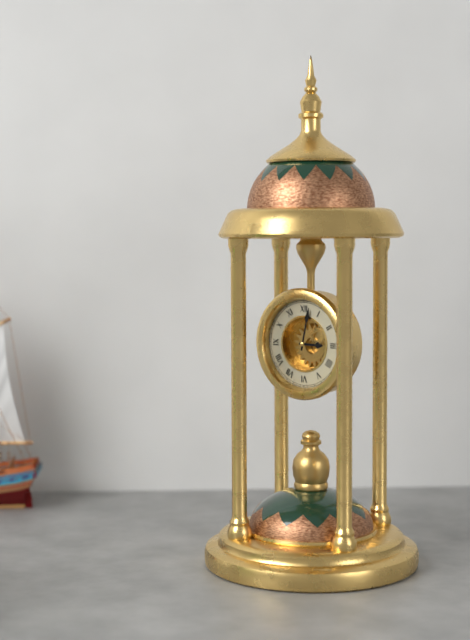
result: 3 h 02 min
